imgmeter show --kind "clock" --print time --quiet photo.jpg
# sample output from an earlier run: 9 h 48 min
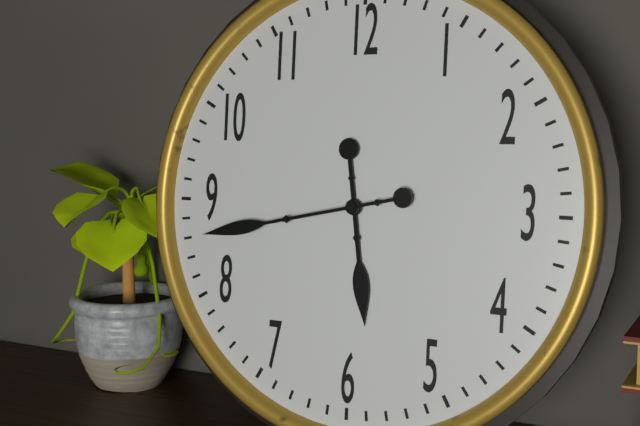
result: 5 h 43 min
